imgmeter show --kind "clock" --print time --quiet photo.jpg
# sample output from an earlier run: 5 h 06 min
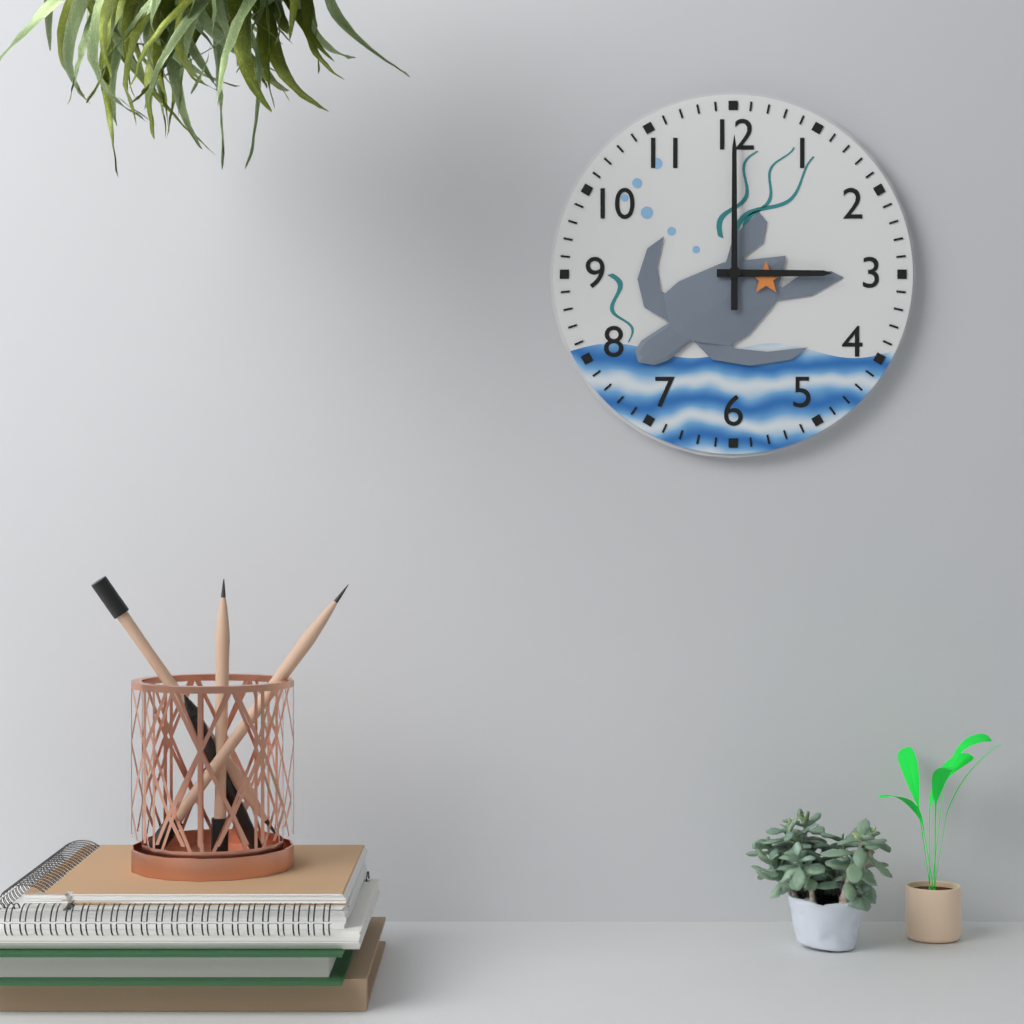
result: 3 h 00 min
